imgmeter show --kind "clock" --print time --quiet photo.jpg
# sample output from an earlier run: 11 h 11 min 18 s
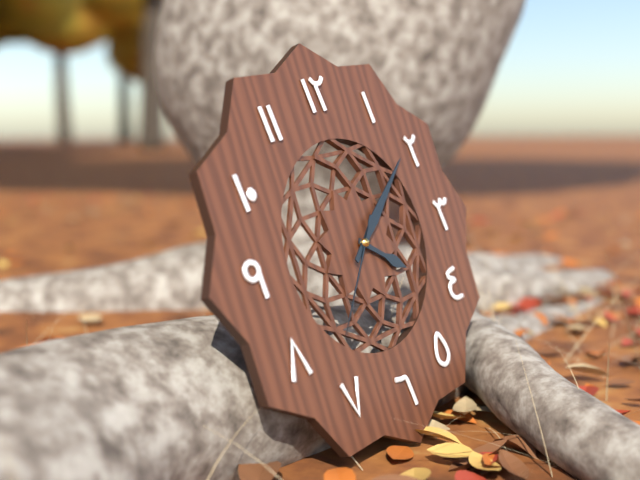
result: 4 h 09 min 37 s
